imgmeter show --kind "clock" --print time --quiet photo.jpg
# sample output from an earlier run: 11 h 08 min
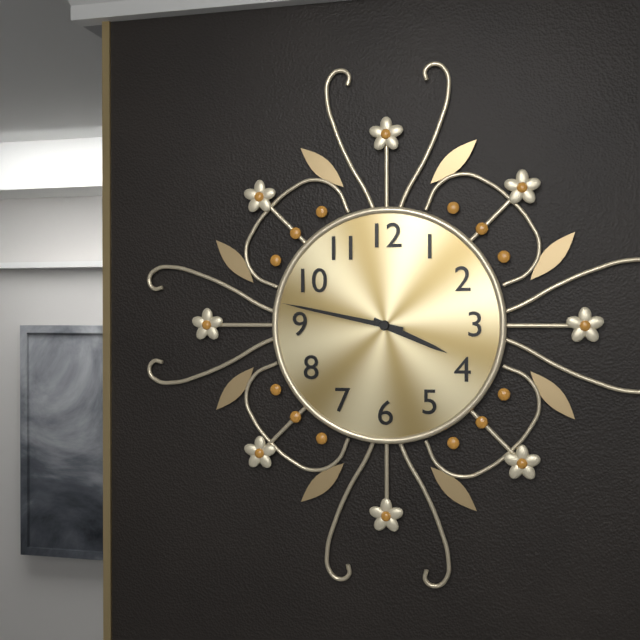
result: 3 h 47 min
